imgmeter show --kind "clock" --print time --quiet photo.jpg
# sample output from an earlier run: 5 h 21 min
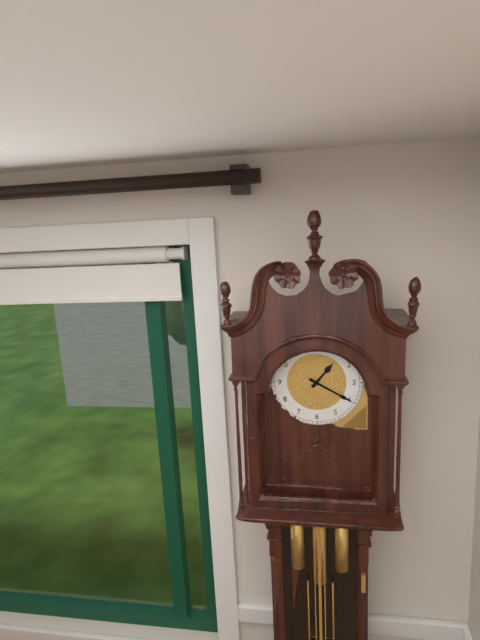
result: 1 h 20 min
